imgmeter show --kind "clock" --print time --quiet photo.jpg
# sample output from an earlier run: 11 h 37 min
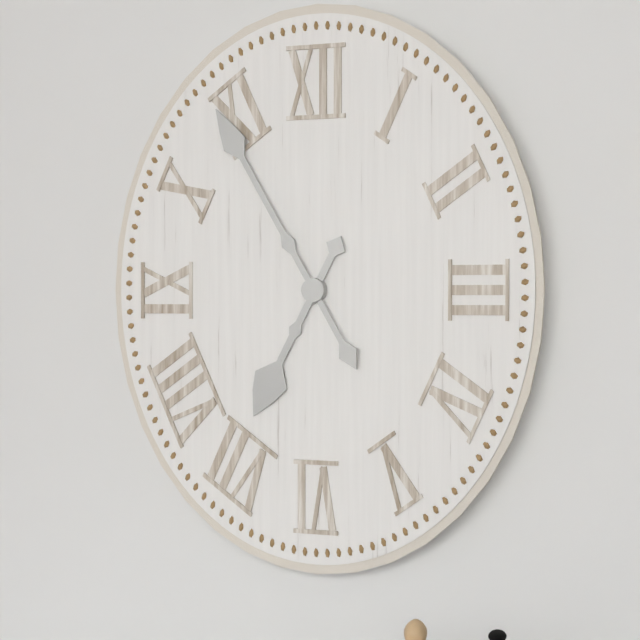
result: 6 h 55 min
